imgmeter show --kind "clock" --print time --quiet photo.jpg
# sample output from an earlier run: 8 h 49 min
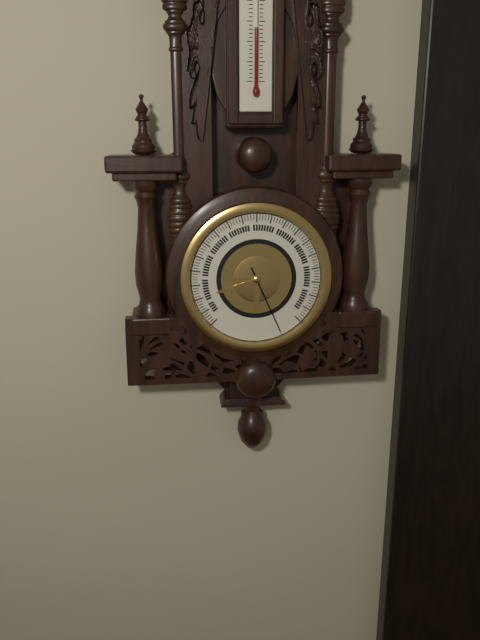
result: 8 h 26 min
